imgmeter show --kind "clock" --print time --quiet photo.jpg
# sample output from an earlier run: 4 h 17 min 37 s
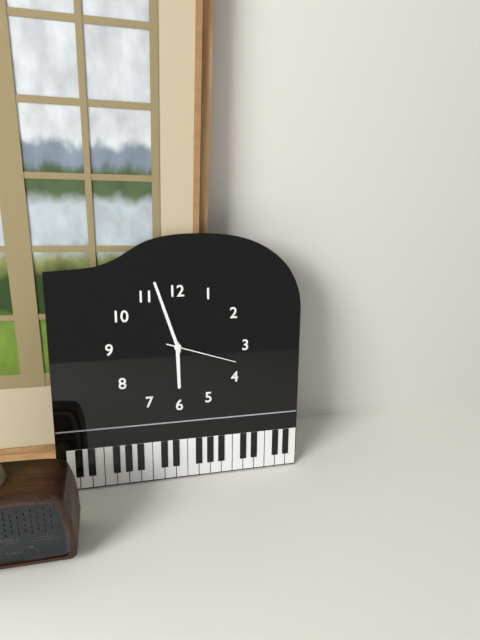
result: 5 h 57 min 18 s
